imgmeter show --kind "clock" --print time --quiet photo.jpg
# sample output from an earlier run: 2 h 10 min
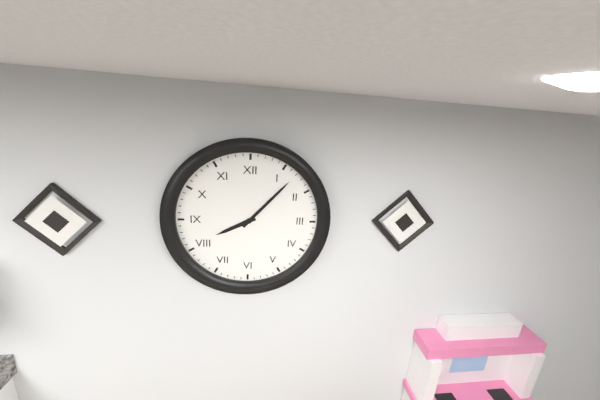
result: 8 h 07 min
